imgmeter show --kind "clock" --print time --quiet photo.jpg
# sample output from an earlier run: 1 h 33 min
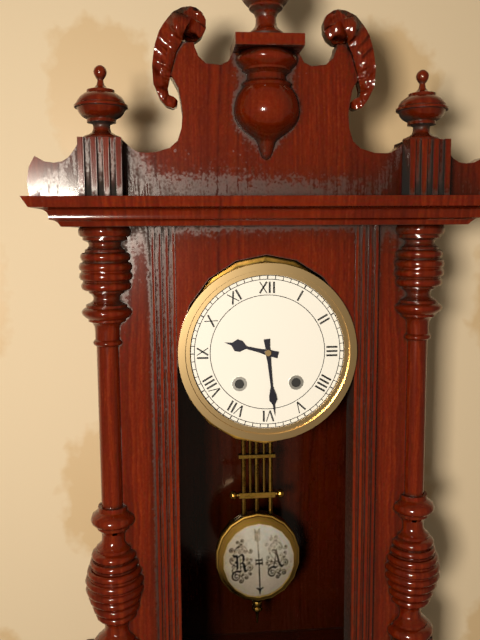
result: 9 h 29 min
